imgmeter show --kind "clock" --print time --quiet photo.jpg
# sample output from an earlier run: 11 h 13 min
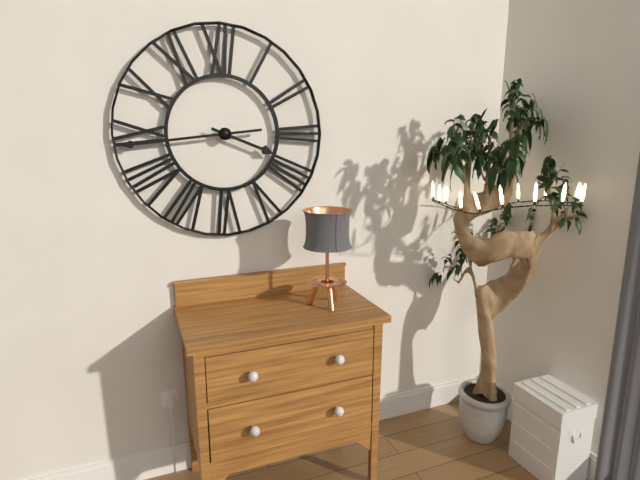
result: 3 h 44 min
